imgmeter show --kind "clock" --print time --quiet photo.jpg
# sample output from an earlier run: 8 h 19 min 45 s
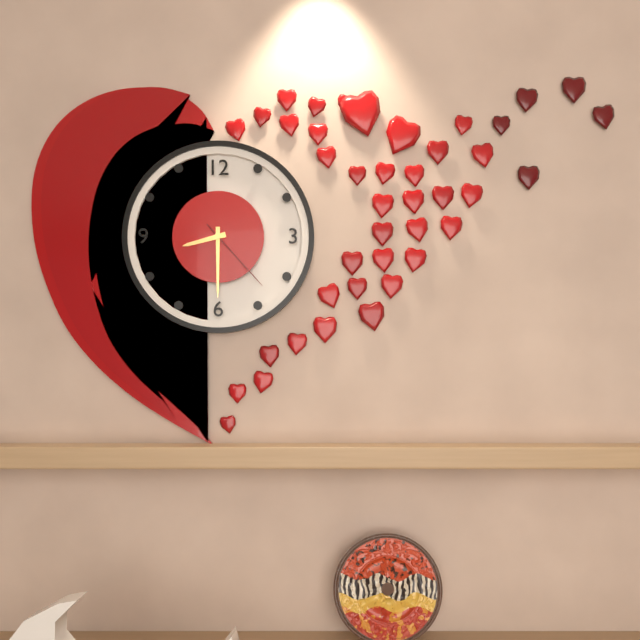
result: 8 h 30 min 23 s
